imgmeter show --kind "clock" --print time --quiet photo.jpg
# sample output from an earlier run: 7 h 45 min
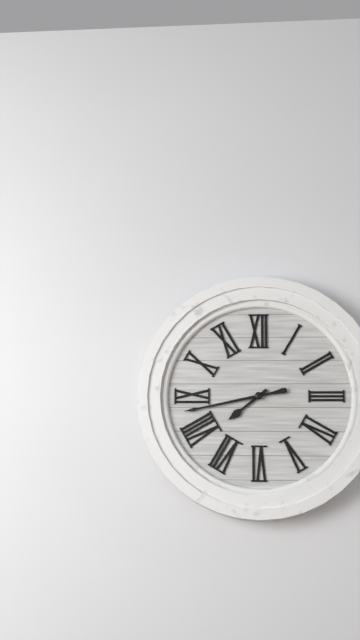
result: 7 h 43 min
